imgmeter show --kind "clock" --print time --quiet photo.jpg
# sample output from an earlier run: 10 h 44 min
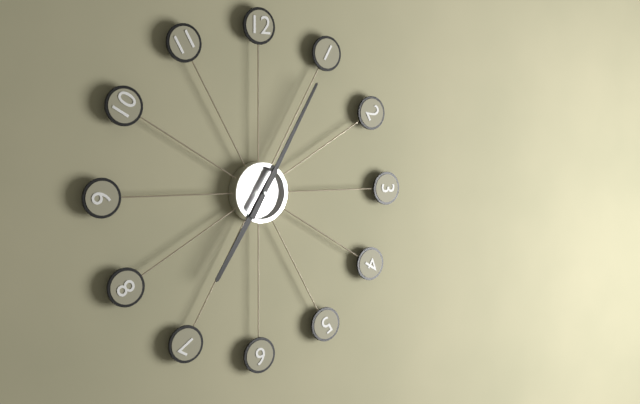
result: 7 h 05 min
